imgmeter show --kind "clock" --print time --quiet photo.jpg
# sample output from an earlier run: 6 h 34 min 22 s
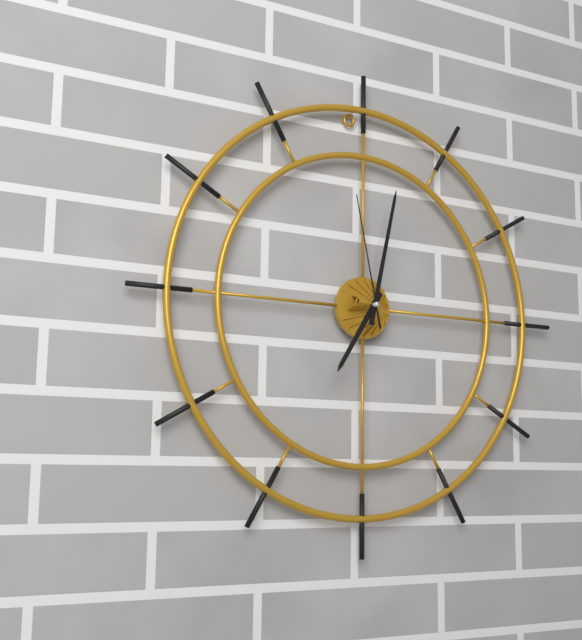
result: 7 h 02 min 58 s
